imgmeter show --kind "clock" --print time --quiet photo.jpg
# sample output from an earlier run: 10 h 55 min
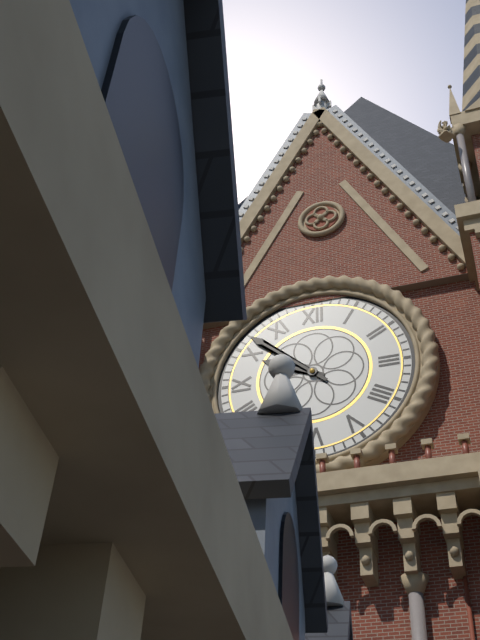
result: 9 h 52 min
